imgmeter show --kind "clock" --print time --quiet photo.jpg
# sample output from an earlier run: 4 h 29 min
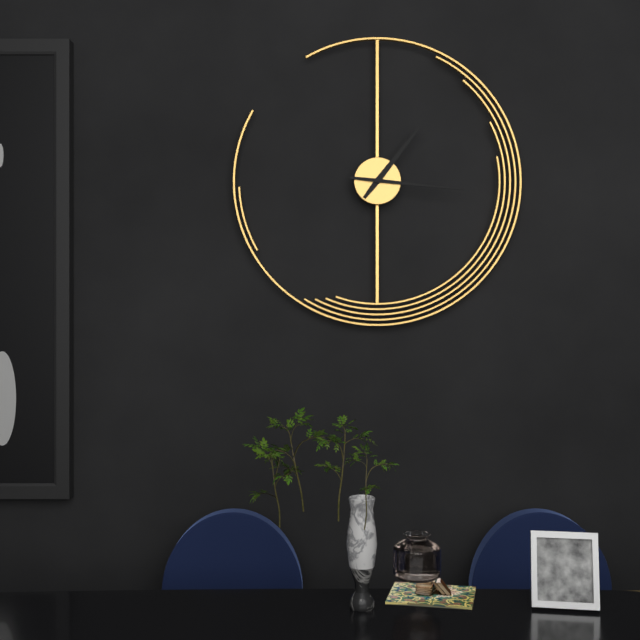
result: 1 h 16 min
